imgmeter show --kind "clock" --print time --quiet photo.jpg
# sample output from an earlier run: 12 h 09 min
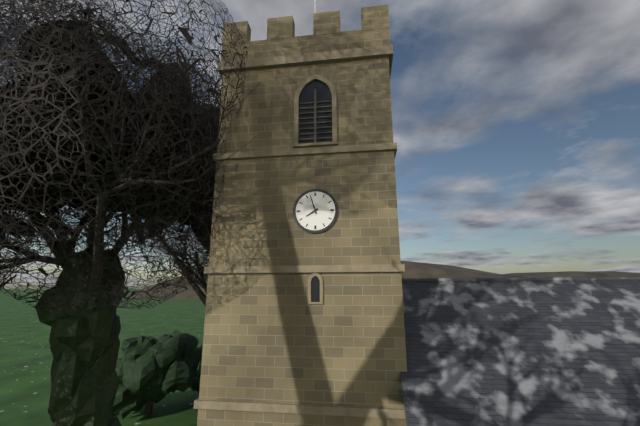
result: 7 h 57 min
